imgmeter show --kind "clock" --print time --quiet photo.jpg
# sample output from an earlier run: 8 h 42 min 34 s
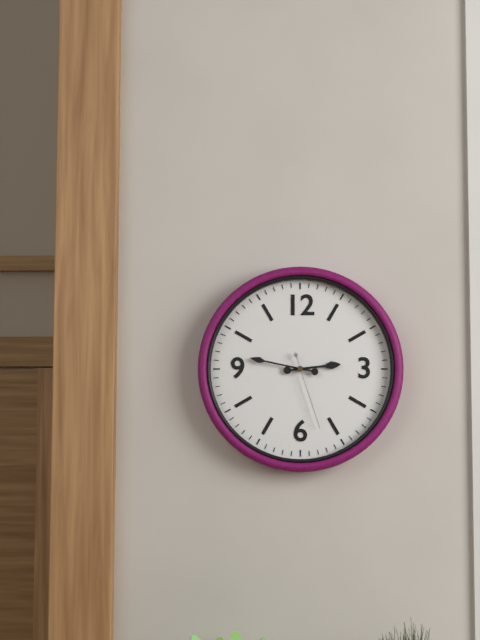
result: 2 h 47 min 27 s
